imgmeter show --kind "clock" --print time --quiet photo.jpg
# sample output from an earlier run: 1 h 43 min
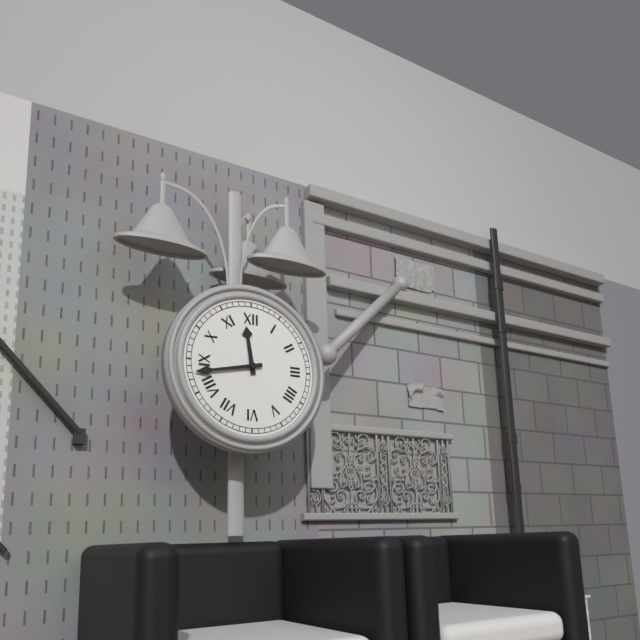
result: 11 h 43 min
